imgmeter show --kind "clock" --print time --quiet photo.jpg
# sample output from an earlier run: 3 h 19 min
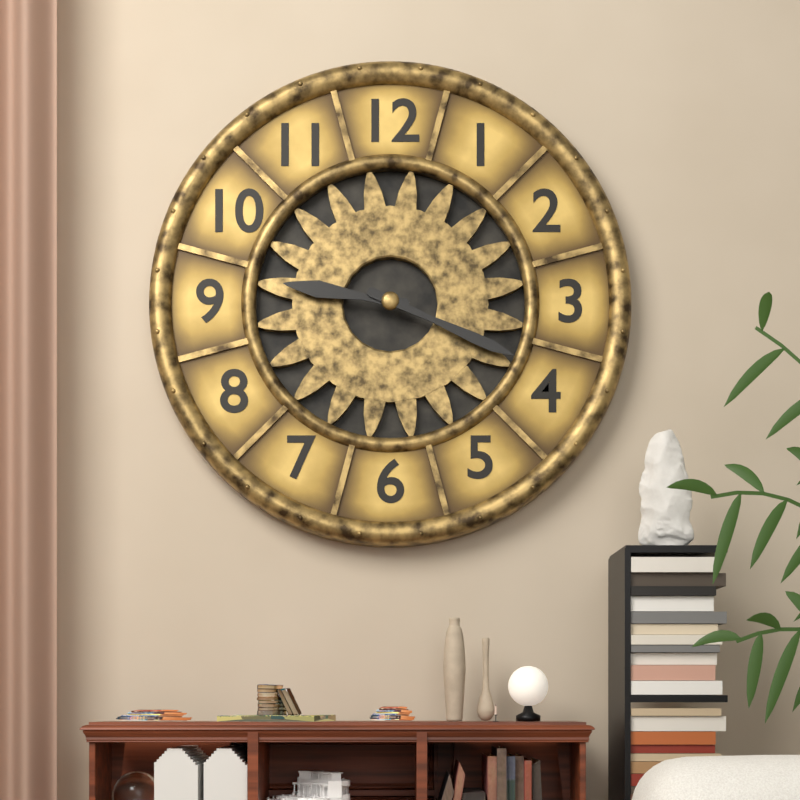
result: 9 h 19 min
